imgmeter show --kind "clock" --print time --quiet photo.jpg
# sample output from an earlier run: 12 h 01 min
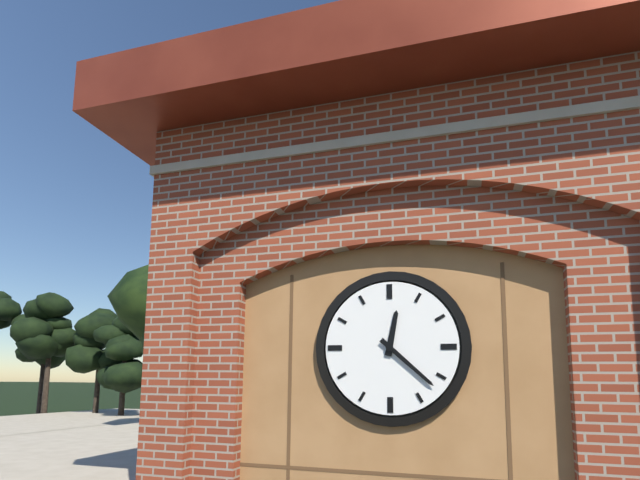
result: 12 h 22 min
